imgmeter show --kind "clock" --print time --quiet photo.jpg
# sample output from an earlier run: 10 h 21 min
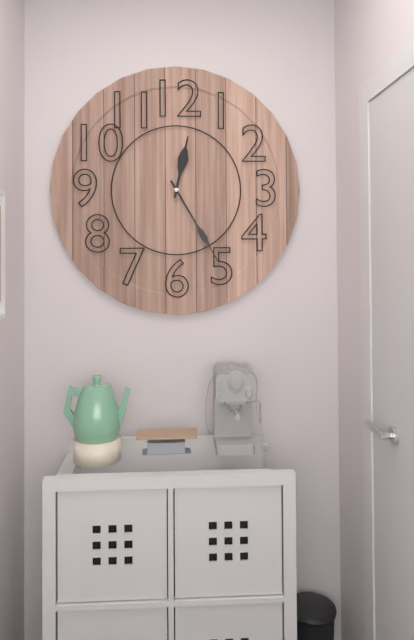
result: 12 h 25 min
